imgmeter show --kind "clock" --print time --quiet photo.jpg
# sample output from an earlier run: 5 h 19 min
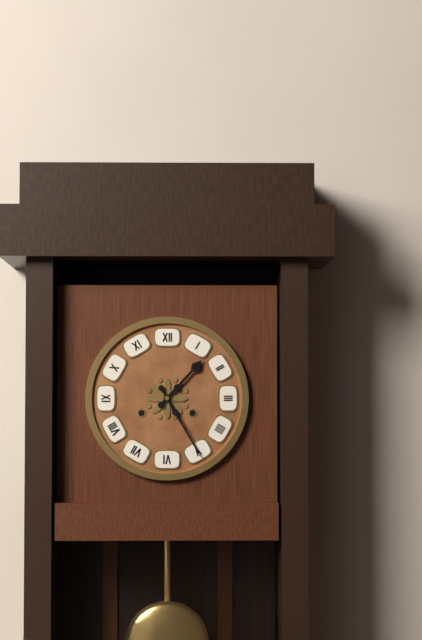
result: 1 h 25 min
